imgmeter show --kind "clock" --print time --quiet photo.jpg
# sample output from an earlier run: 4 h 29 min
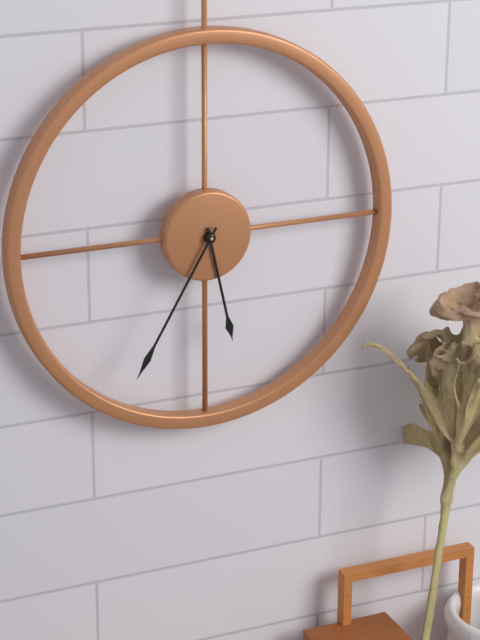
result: 5 h 35 min
